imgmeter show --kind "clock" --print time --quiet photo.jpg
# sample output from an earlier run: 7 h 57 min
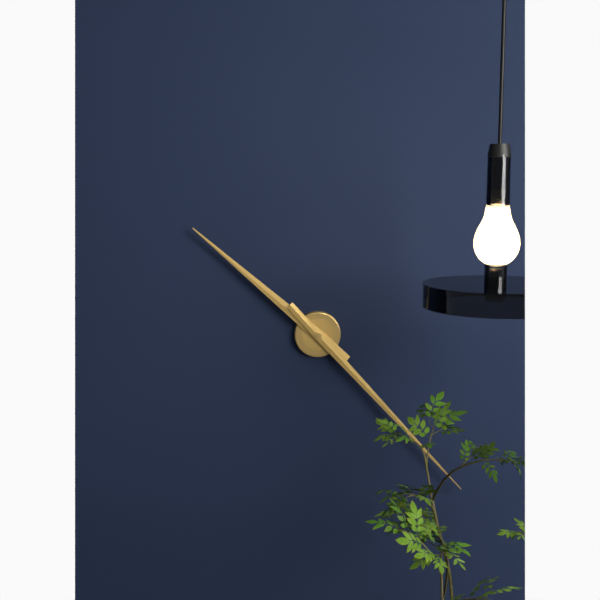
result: 10 h 23 min
